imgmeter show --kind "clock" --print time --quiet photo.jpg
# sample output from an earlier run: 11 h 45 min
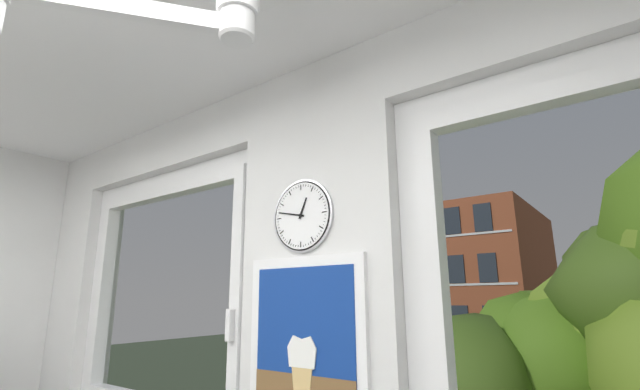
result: 12 h 47 min
